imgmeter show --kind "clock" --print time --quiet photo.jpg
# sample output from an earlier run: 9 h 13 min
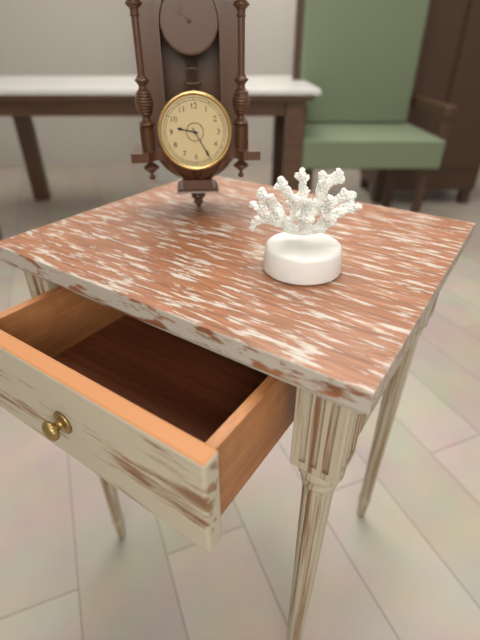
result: 9 h 25 min
